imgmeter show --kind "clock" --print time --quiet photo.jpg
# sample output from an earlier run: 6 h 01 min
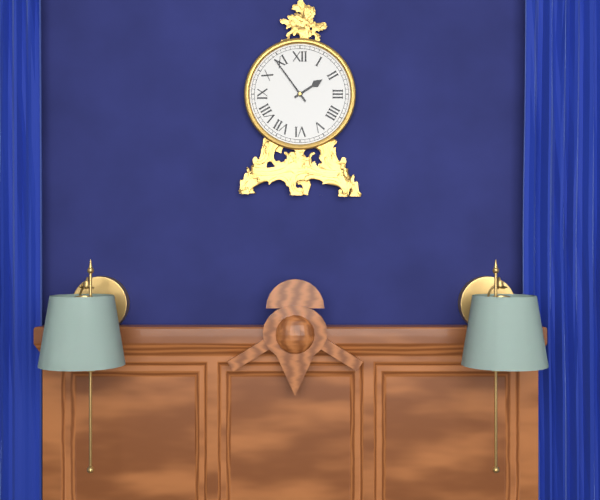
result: 1 h 54 min
